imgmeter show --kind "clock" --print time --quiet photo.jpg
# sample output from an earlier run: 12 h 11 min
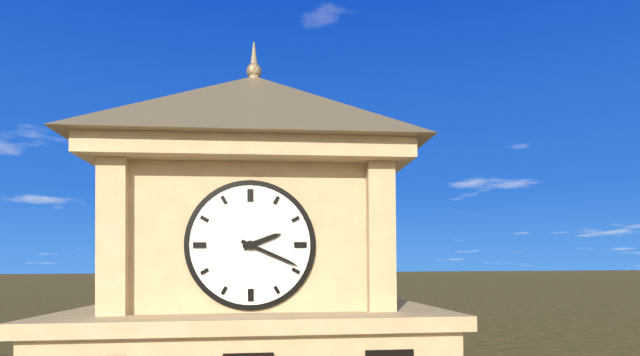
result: 2 h 19 min
